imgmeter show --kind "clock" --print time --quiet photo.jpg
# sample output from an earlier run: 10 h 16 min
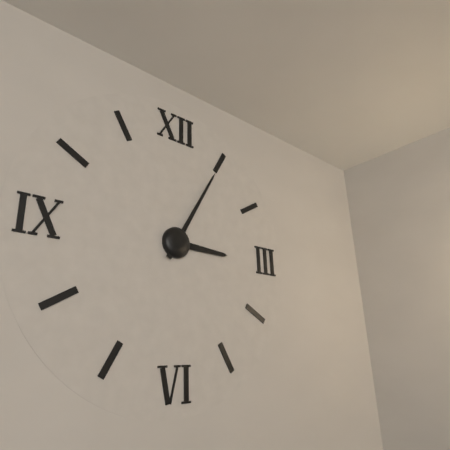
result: 3 h 05 min
